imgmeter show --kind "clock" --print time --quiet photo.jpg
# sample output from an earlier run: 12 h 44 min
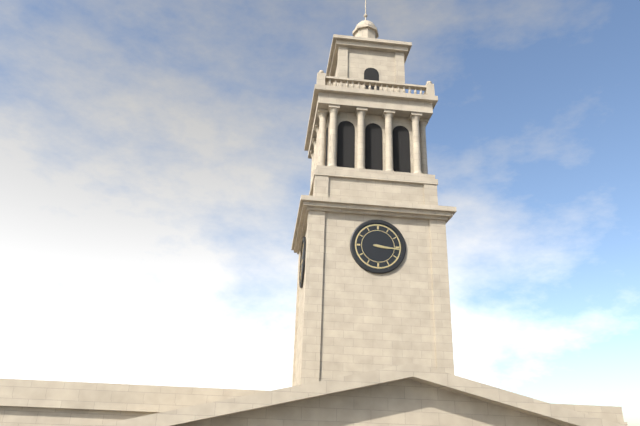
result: 3 h 16 min
